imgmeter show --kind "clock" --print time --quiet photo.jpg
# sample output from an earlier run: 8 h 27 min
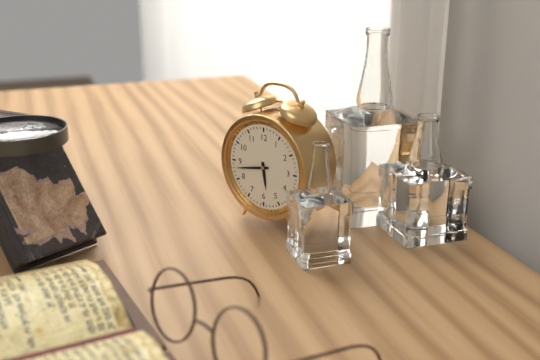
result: 5 h 43 min
